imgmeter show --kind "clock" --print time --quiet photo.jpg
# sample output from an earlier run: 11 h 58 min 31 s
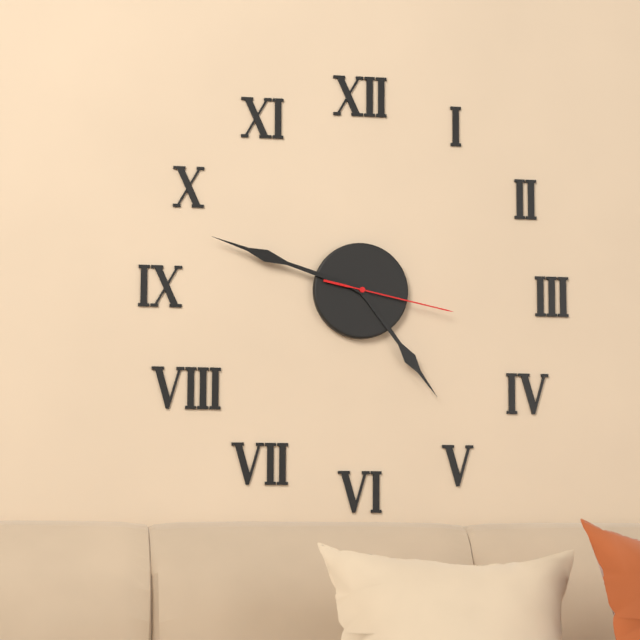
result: 4 h 48 min 17 s
